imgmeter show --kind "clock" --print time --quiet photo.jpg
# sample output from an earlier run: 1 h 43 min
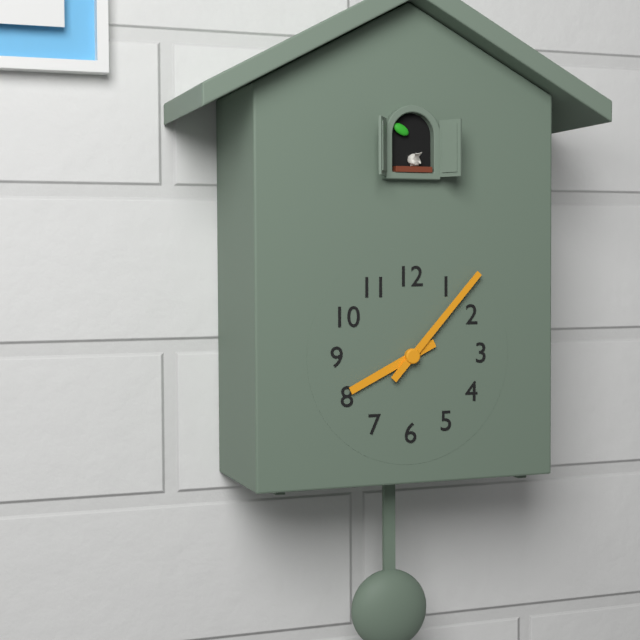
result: 8 h 07 min
